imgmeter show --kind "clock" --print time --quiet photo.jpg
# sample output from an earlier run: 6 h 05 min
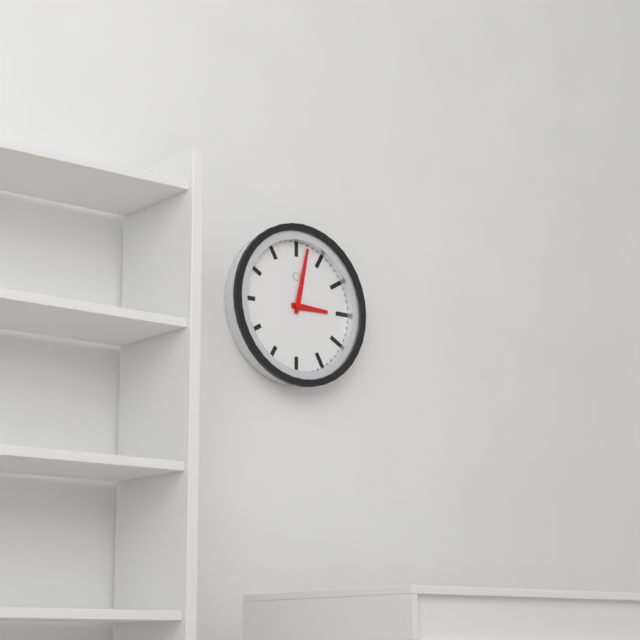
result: 3 h 02 min
